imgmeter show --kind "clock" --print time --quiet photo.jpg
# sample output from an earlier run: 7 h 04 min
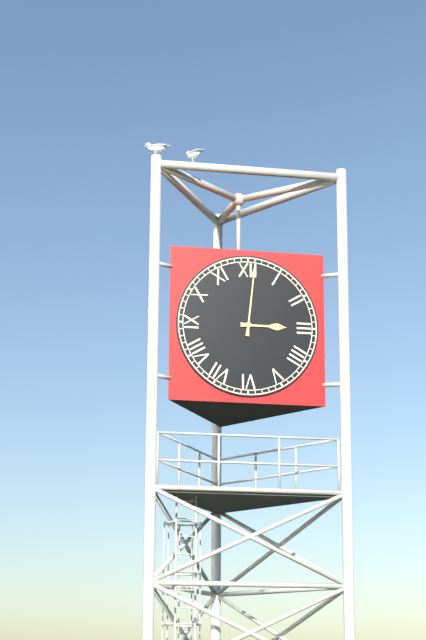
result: 3 h 01 min
